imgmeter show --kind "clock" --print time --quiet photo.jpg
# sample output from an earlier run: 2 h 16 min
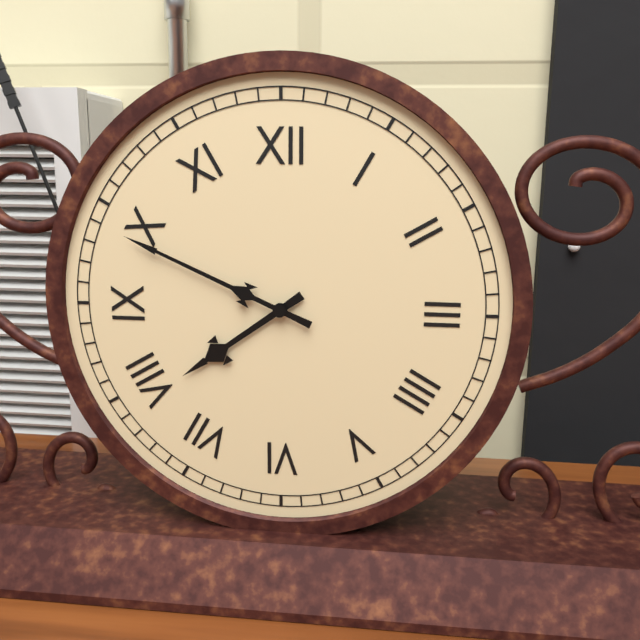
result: 7 h 49 min
